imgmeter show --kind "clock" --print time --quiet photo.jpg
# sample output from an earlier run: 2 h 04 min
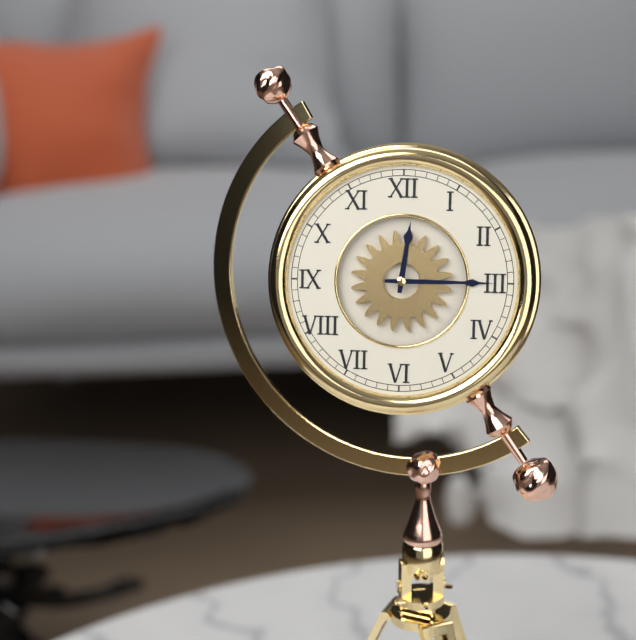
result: 12 h 15 min
